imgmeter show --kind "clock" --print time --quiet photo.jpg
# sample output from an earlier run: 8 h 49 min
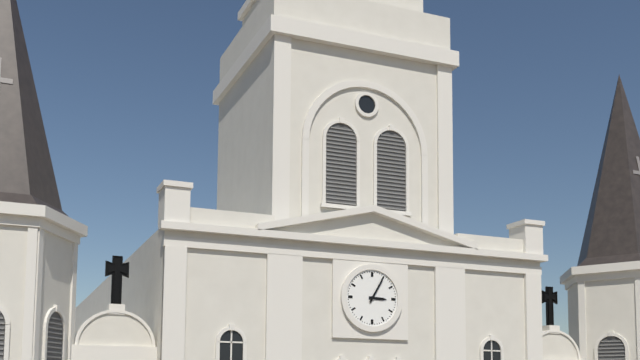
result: 3 h 05 min
